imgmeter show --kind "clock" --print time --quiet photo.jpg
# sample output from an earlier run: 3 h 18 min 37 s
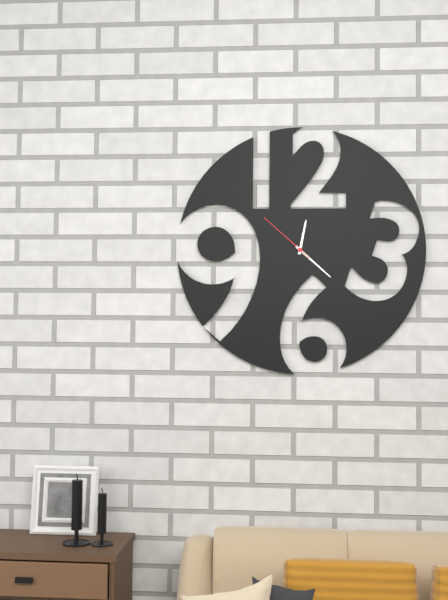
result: 12 h 22 min 52 s
